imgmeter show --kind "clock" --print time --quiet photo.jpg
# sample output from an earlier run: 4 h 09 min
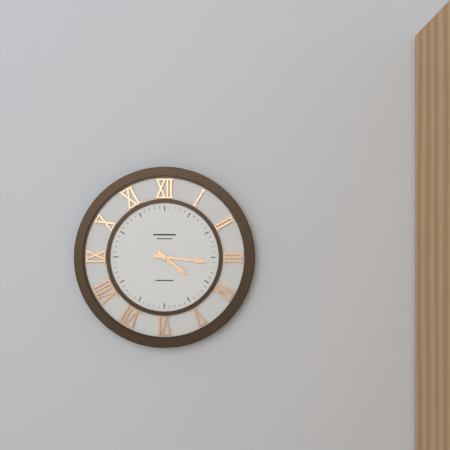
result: 4 h 16 min
